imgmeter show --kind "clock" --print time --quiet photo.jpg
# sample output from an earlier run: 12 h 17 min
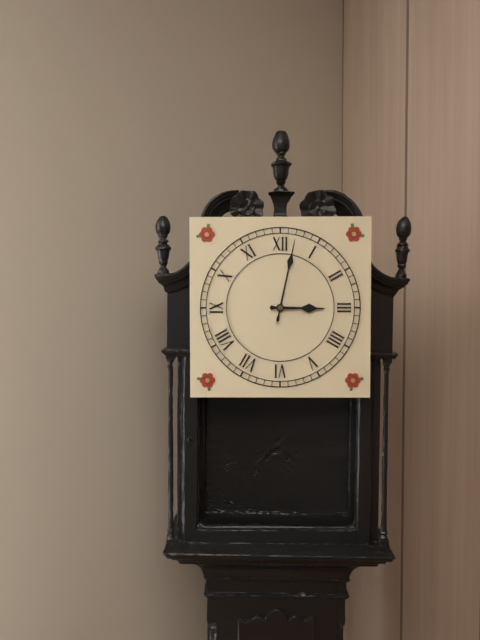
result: 3 h 02 min
